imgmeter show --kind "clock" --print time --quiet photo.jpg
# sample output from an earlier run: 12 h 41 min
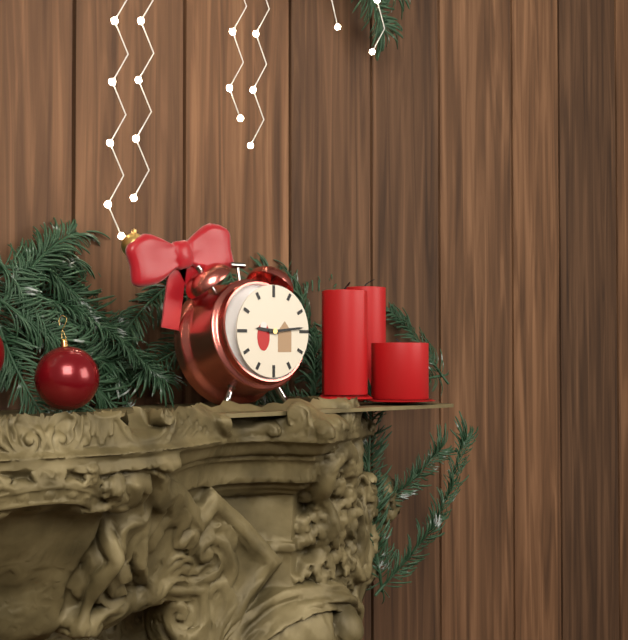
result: 9 h 14 min
